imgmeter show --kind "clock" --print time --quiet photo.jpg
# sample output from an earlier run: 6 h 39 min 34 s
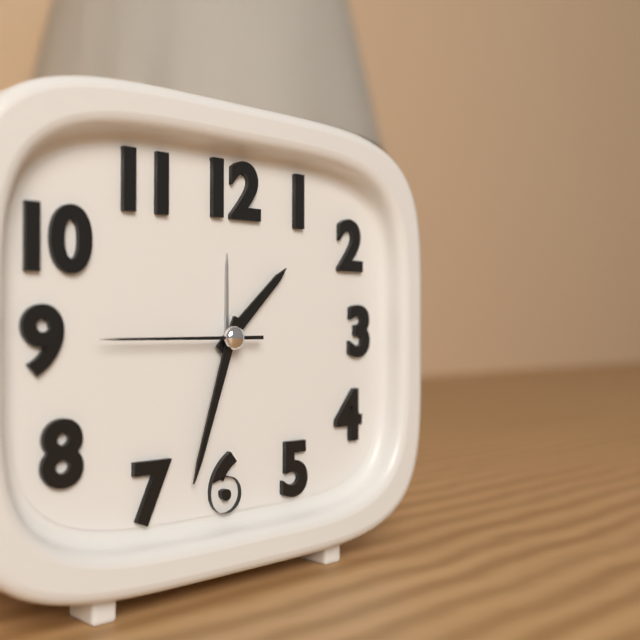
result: 1 h 33 min 45 s
